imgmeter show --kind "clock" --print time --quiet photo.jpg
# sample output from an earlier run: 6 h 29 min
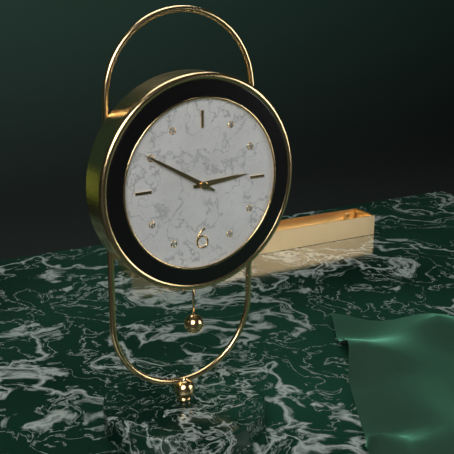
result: 2 h 50 min
